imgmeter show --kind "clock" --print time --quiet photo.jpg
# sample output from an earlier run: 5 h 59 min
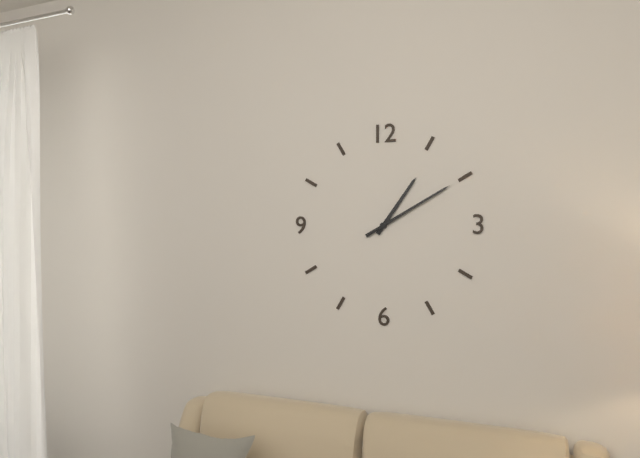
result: 1 h 10 min
